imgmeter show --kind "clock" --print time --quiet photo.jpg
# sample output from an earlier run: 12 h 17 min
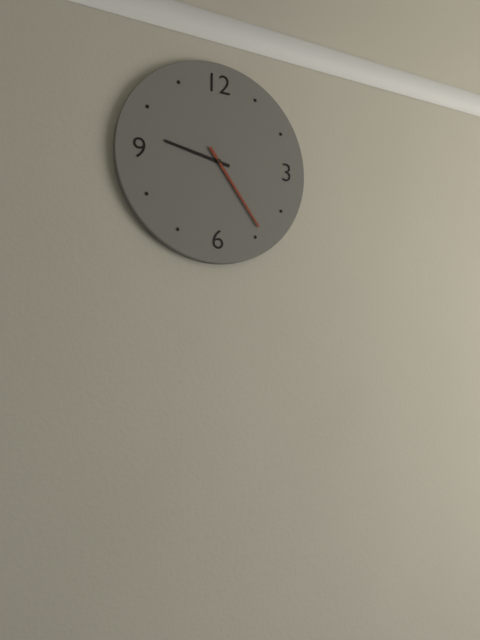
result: 9 h 24 min
